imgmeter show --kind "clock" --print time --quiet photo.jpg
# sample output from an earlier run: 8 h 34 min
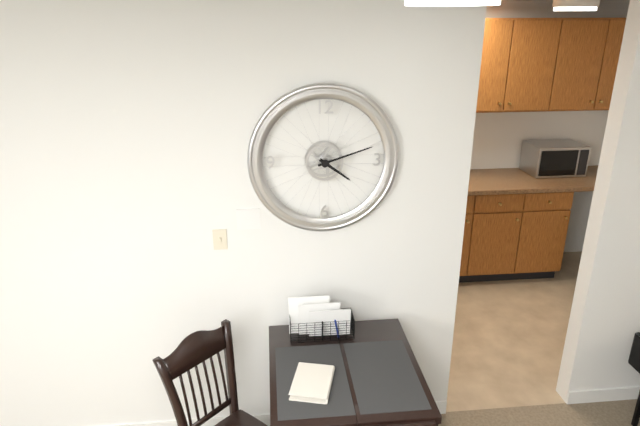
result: 4 h 12 min
